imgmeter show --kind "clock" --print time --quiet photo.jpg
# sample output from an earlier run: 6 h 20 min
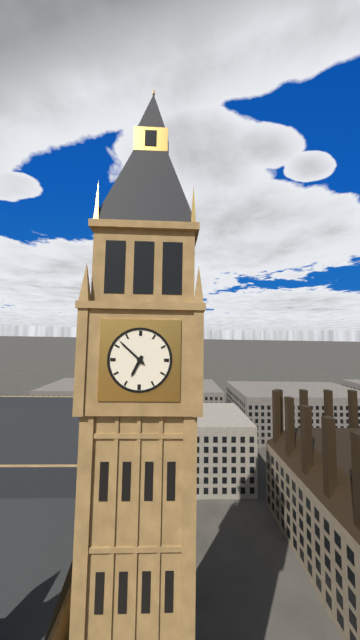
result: 6 h 52 min
